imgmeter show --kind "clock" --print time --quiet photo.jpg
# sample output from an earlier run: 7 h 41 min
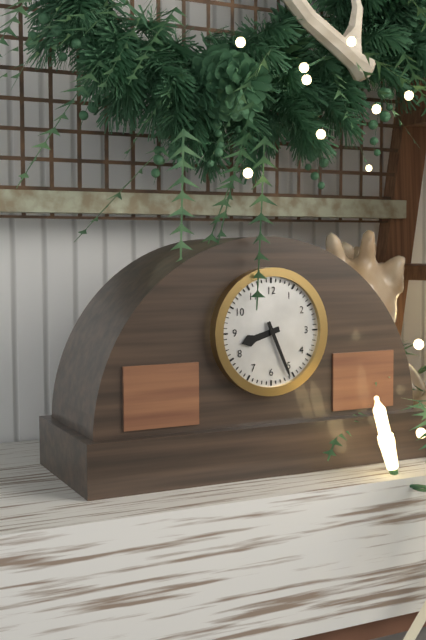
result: 8 h 26 min
